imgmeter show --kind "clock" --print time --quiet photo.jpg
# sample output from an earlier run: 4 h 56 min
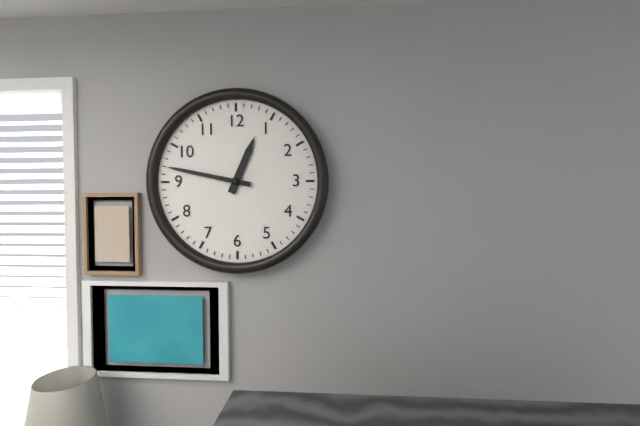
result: 12 h 47 min
